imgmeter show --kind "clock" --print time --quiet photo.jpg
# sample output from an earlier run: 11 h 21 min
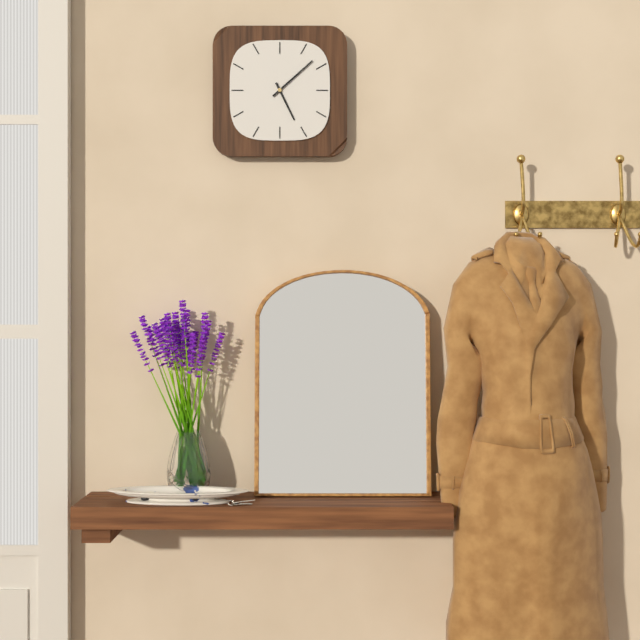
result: 5 h 08 min
